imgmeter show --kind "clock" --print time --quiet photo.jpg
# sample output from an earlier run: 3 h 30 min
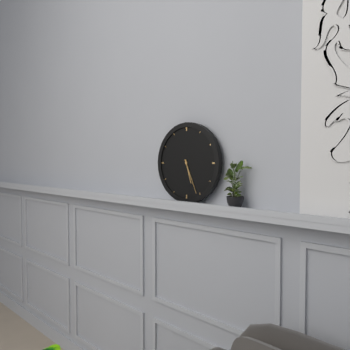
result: 5 h 26 min
